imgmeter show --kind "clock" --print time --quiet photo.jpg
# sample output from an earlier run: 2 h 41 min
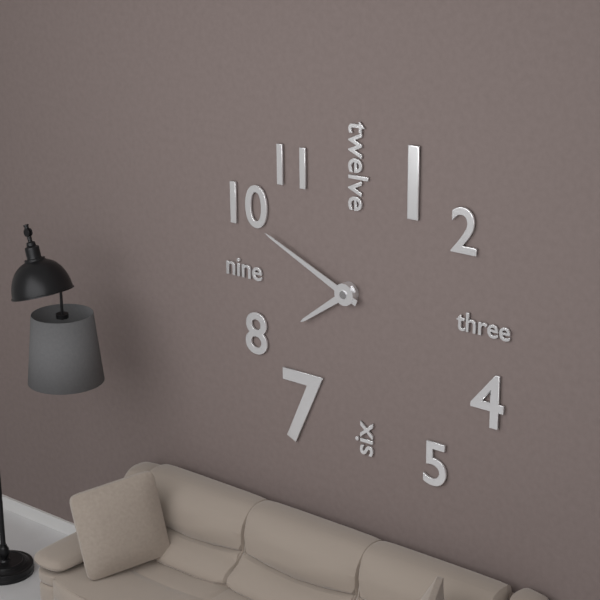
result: 7 h 49 min
